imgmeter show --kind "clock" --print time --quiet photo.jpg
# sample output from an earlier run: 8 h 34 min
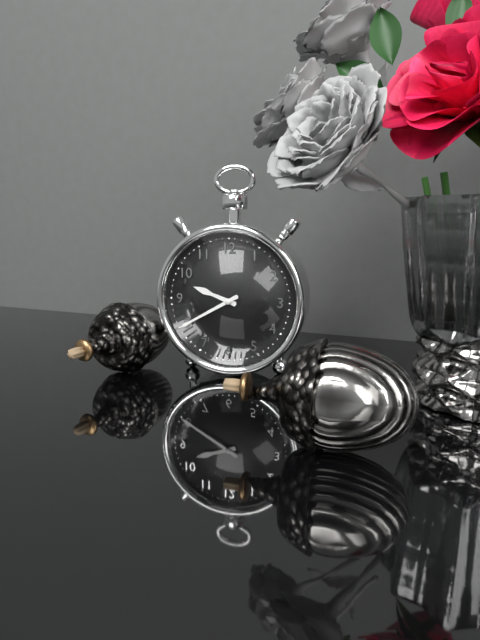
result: 9 h 40 min
